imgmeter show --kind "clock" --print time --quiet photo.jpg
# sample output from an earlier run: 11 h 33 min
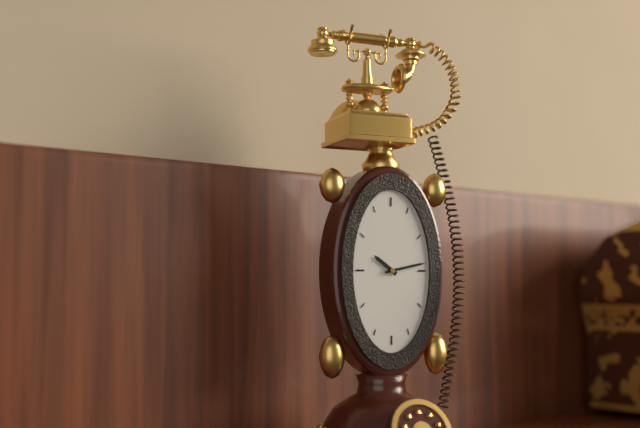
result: 10 h 13 min
